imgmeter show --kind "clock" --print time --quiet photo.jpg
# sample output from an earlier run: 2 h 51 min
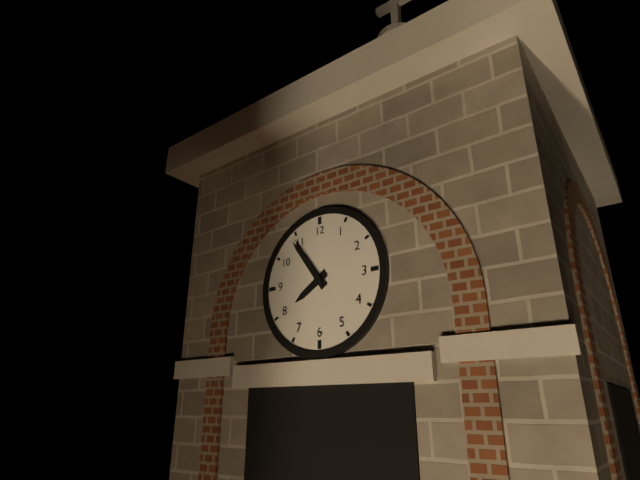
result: 7 h 54 min
